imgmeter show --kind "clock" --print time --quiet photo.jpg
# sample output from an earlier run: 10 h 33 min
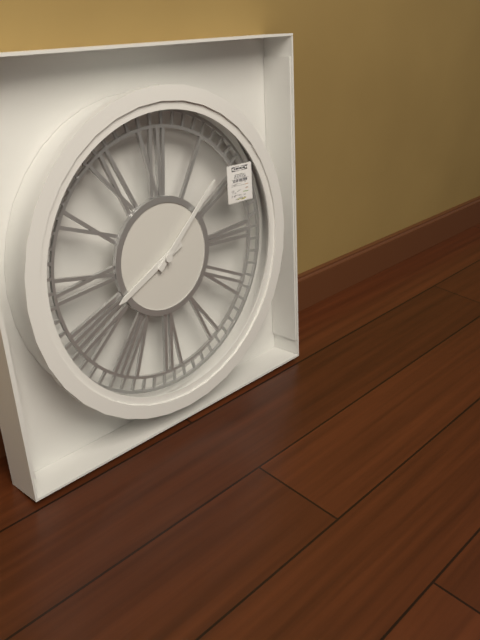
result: 8 h 08 min
